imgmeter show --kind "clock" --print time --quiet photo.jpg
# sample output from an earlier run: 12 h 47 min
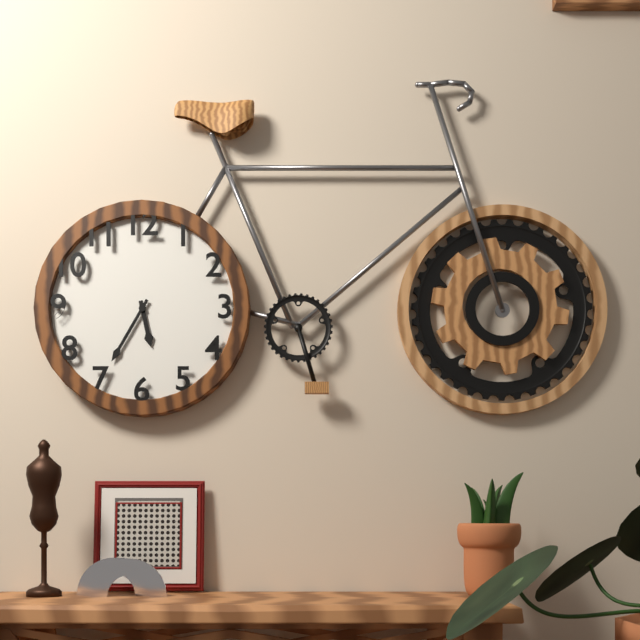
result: 5 h 35 min
